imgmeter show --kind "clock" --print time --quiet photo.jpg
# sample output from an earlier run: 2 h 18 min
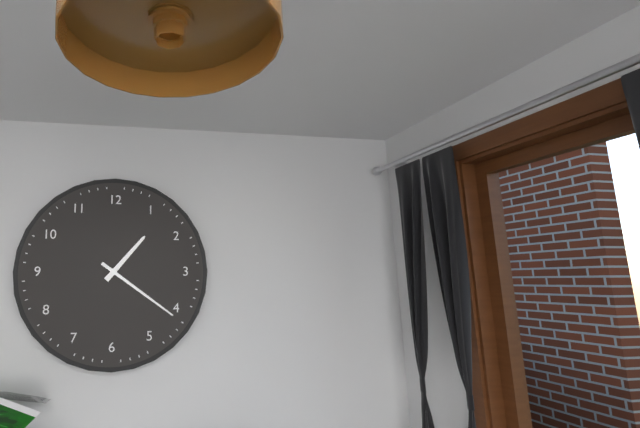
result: 1 h 21 min
